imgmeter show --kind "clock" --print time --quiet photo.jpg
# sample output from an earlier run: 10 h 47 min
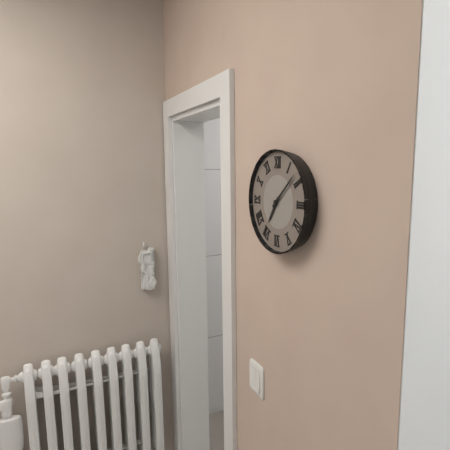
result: 7 h 08 min
